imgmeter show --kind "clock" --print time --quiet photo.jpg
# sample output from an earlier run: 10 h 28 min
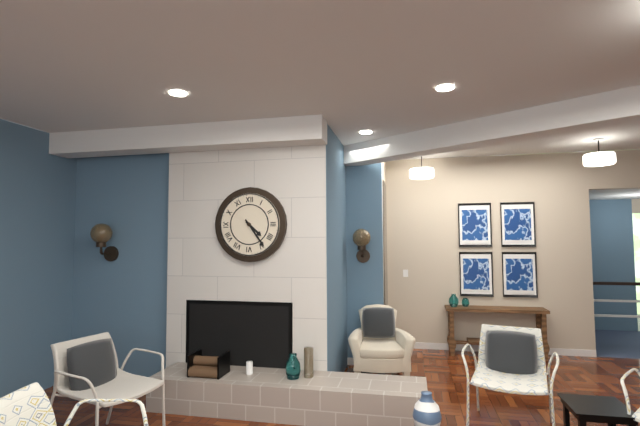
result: 4 h 24 min
